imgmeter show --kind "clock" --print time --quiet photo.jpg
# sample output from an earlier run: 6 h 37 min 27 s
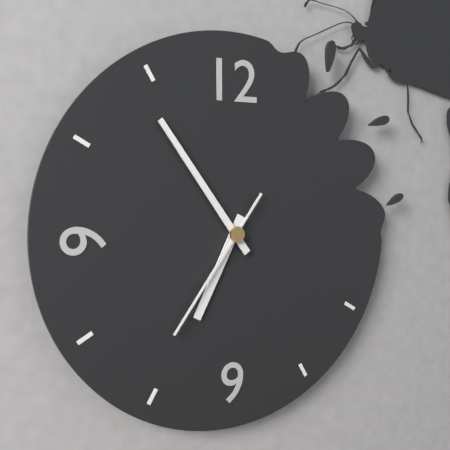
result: 6 h 54 min 36 s
